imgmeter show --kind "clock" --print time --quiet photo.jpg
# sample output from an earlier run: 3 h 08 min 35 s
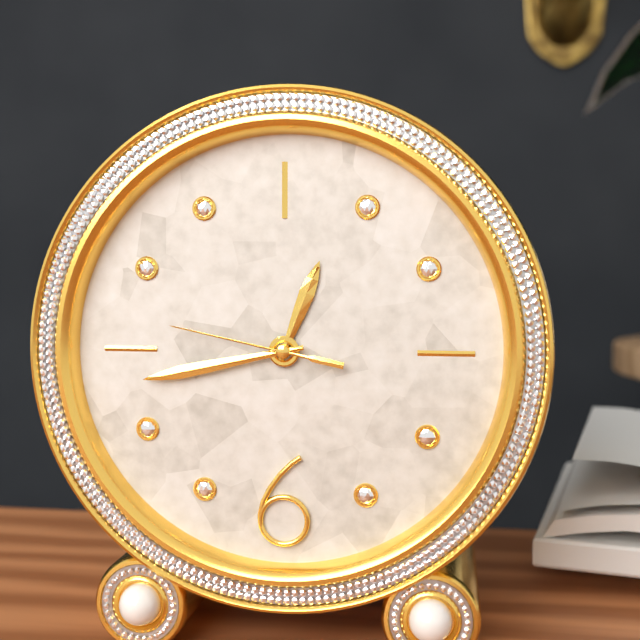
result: 12 h 43 min 47 s
